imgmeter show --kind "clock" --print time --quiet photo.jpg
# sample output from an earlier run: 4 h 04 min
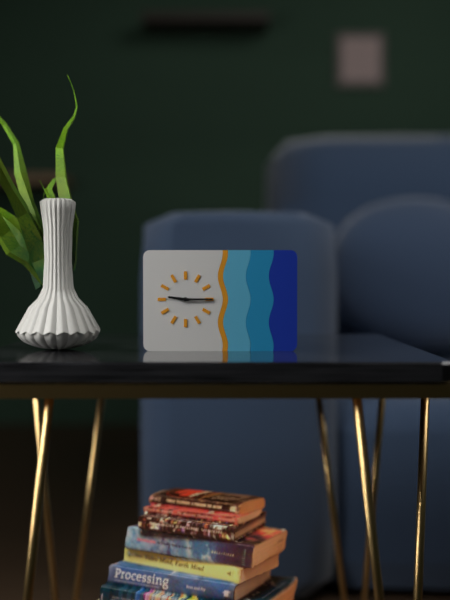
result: 9 h 15 min
